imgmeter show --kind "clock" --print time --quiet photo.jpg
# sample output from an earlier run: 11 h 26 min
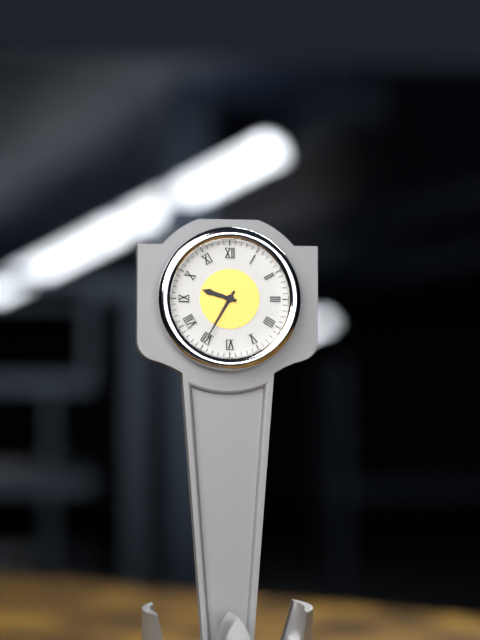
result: 9 h 35 min
